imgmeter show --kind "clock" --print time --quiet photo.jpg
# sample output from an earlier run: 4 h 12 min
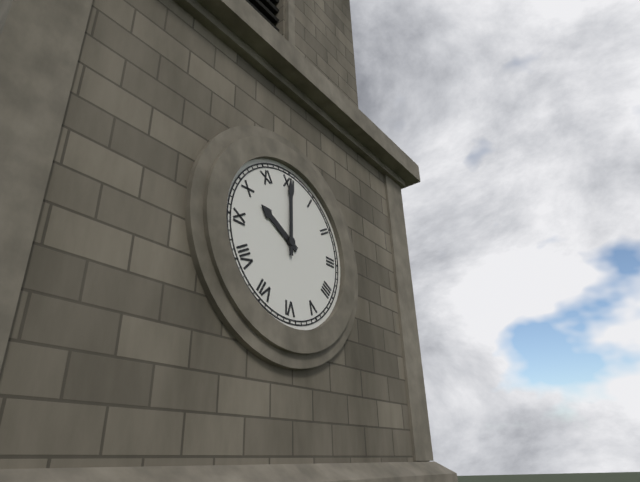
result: 10 h 00 min
